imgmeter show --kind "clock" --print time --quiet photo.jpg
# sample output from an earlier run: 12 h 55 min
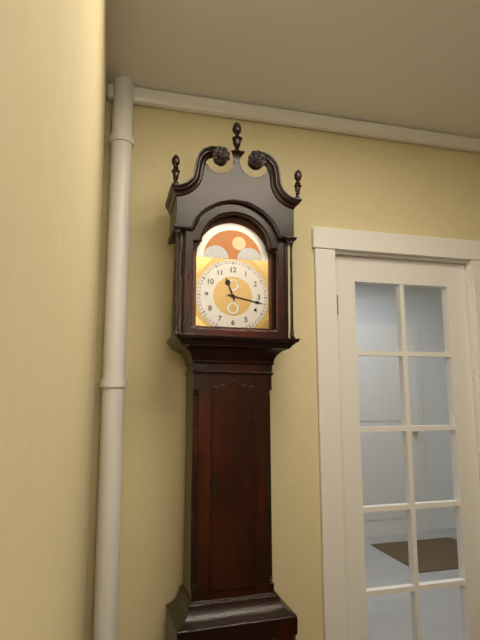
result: 11 h 17 min
